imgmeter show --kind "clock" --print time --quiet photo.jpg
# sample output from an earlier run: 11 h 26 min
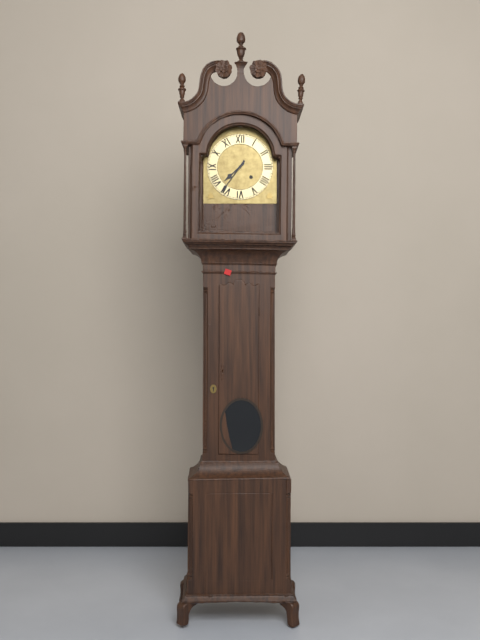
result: 7 h 36 min
